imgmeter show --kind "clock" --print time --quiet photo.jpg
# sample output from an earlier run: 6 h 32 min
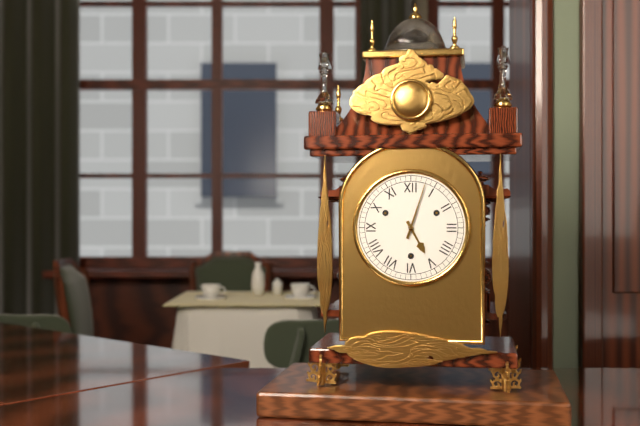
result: 5 h 03 min
